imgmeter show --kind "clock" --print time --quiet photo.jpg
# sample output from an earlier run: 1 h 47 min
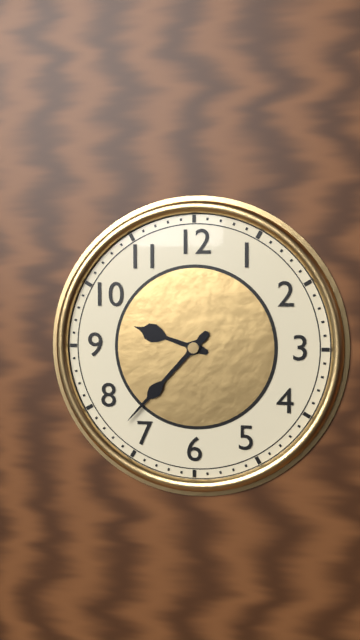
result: 9 h 37 min
